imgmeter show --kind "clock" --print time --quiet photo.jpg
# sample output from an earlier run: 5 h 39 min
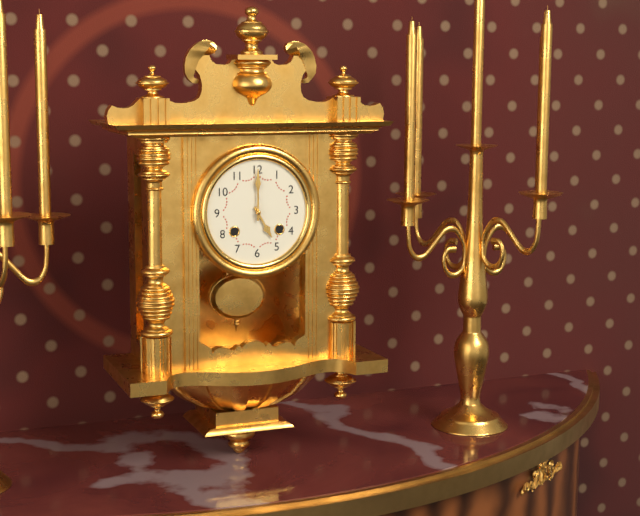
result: 5 h 00 min
